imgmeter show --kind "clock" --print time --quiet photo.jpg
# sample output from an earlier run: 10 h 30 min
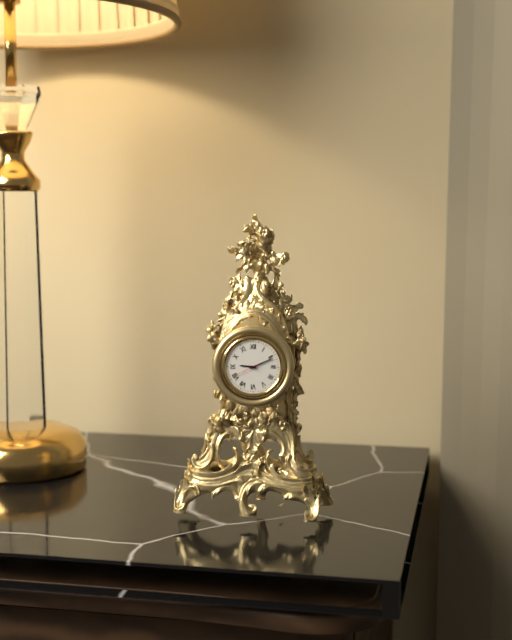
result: 9 h 11 min
